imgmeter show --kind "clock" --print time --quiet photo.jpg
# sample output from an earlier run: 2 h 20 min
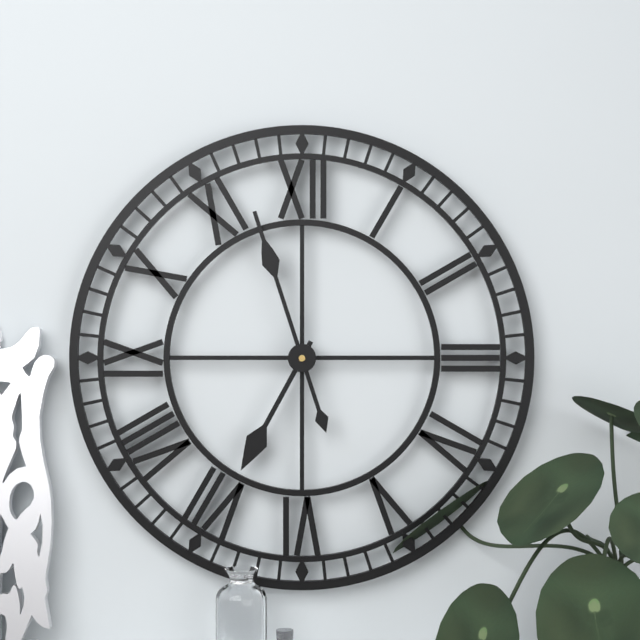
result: 6 h 57 min
